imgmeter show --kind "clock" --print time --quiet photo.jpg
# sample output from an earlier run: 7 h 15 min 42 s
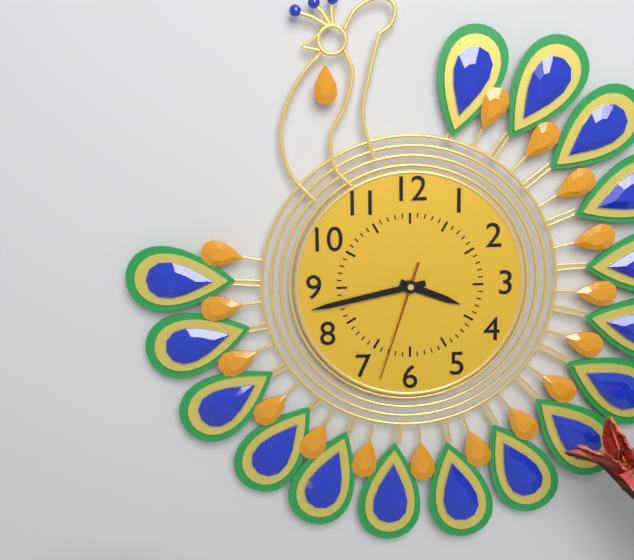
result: 3 h 43 min 33 s
